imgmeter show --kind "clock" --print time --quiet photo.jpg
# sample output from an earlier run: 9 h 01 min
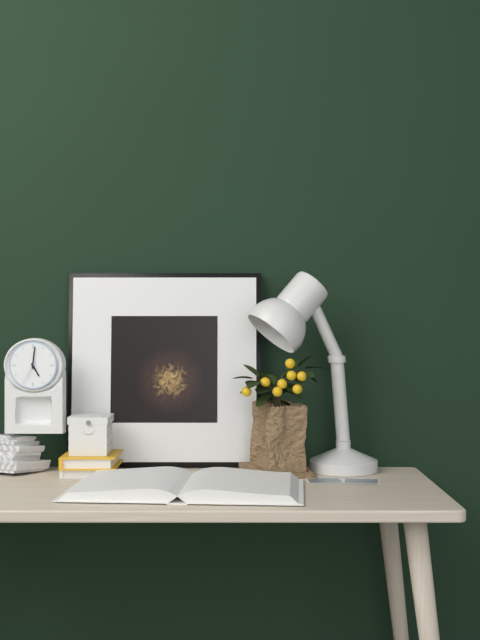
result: 5 h 01 min
